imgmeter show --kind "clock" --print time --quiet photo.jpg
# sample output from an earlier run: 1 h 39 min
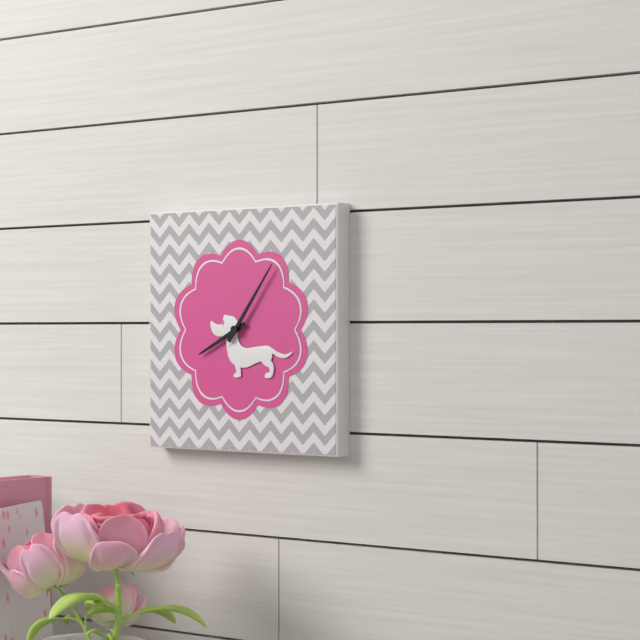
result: 8 h 06 min
